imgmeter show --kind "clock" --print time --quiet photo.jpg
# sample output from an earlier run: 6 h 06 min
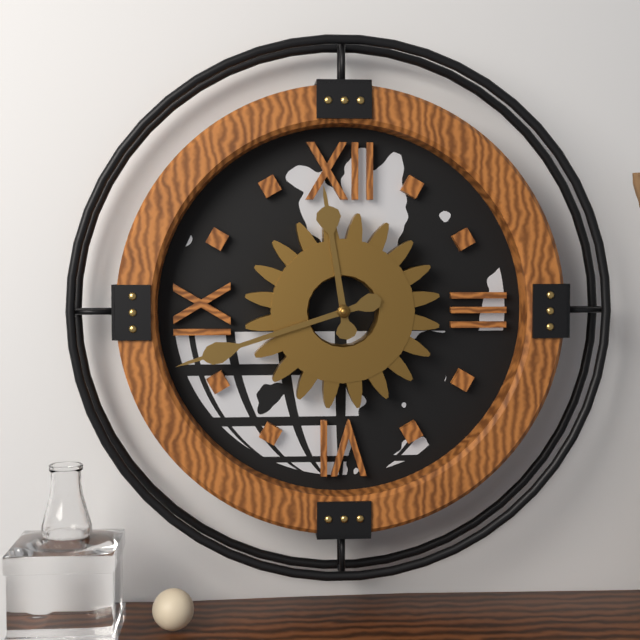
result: 11 h 42 min
